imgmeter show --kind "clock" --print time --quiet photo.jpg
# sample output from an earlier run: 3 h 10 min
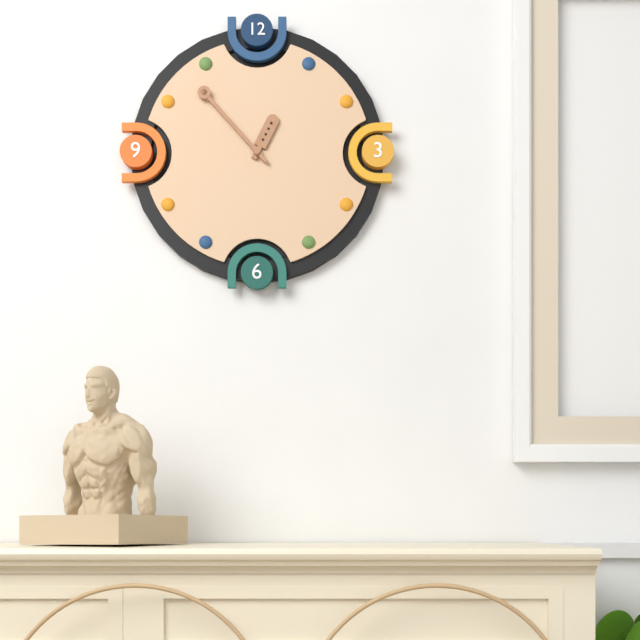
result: 12 h 53 min
